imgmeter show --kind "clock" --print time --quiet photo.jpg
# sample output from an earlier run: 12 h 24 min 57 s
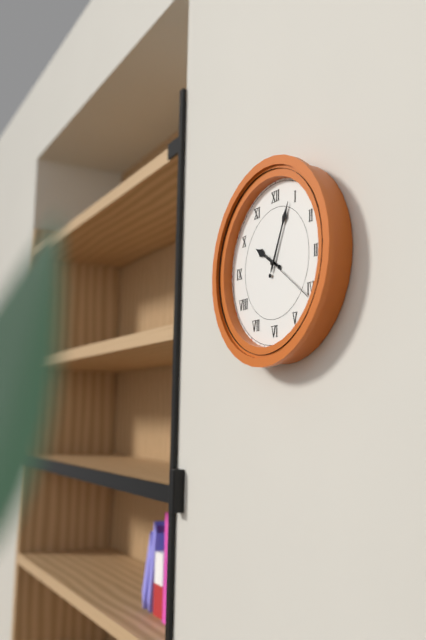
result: 10 h 04 min 21 s
